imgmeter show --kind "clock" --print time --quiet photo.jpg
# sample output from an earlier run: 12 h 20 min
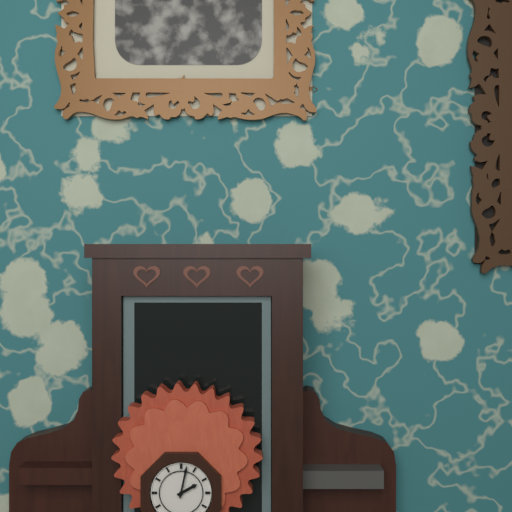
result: 2 h 02 min
